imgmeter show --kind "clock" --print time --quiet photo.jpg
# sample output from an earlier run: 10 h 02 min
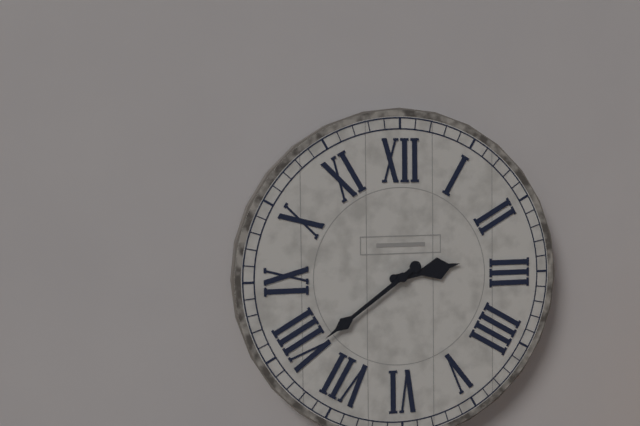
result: 2 h 39 min
